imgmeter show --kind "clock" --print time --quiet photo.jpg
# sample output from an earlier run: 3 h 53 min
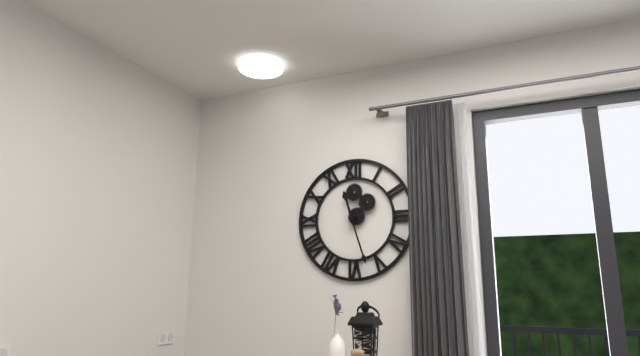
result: 11 h 27 min
